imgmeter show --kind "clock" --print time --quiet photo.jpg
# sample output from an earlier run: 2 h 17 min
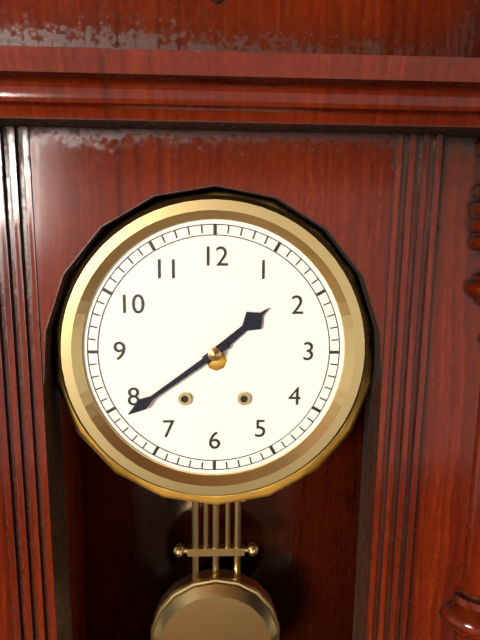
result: 1 h 39 min
